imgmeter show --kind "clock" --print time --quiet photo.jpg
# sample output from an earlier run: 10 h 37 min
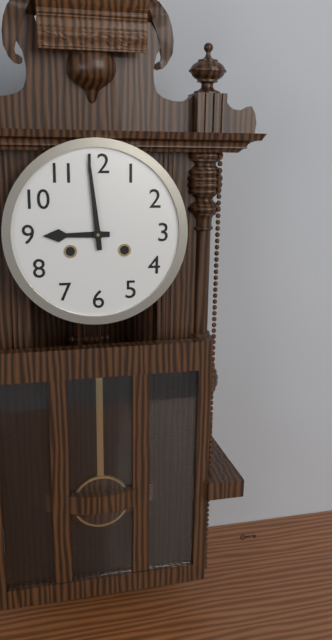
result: 8 h 59 min
